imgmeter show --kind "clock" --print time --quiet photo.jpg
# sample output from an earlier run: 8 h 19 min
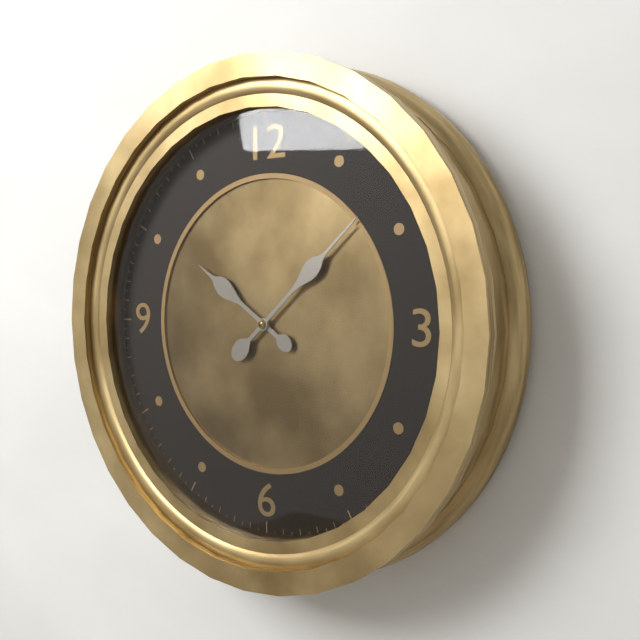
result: 10 h 08 min
